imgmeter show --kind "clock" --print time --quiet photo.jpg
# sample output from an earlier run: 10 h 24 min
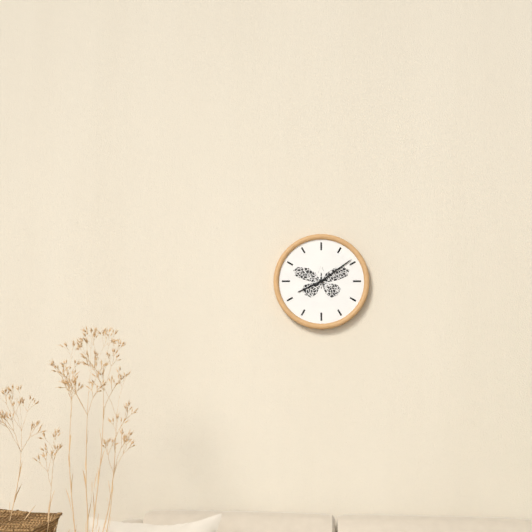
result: 8 h 09 min
